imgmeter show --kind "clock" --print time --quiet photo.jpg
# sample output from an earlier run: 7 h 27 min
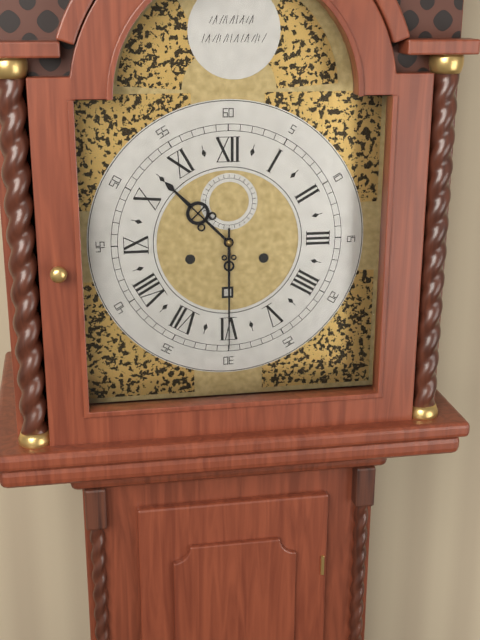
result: 10 h 30 min
